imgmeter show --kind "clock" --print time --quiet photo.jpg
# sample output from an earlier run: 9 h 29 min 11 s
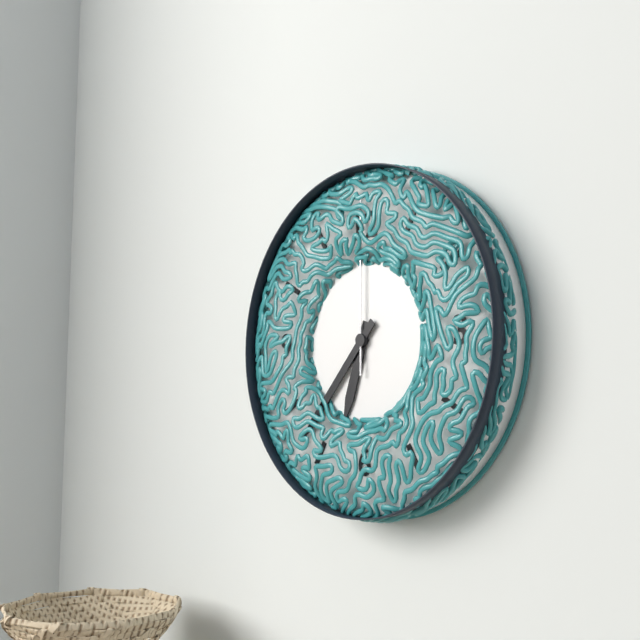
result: 6 h 37 min 00 s
